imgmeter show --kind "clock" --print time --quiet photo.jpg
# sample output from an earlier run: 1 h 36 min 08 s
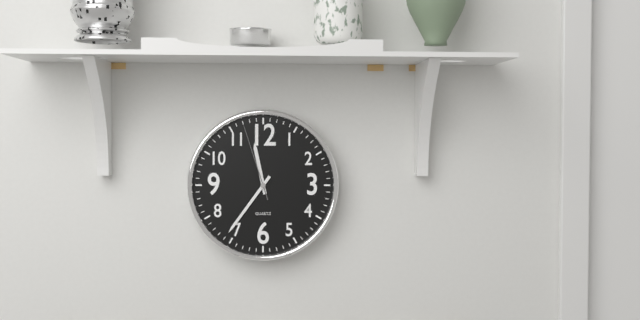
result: 11 h 36 min 57 s
